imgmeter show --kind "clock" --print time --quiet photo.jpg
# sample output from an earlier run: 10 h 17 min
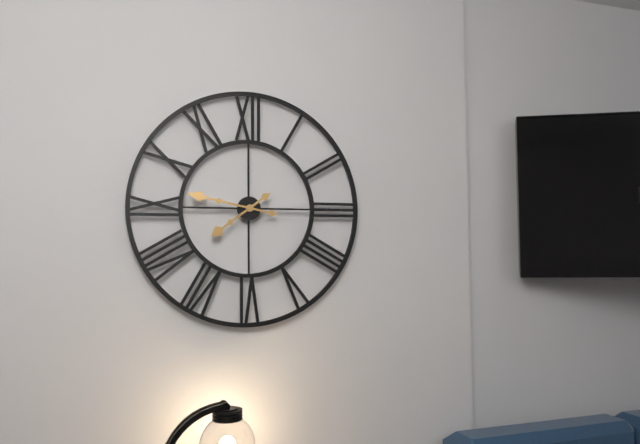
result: 7 h 47 min
